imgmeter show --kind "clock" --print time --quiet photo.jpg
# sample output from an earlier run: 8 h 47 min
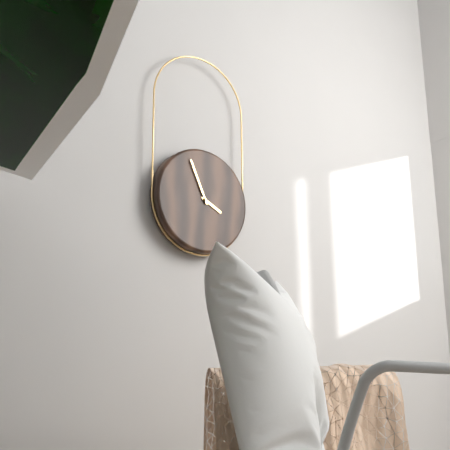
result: 3 h 56 min
